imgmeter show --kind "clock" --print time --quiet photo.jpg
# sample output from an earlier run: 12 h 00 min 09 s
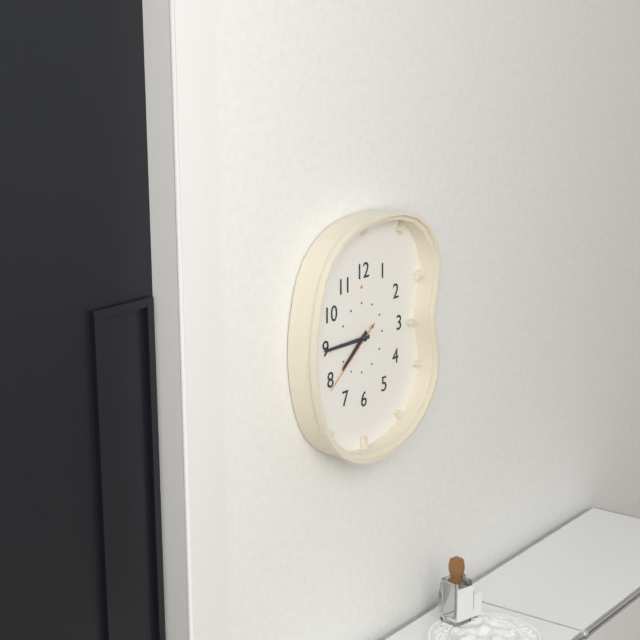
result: 7 h 45 min 39 s
